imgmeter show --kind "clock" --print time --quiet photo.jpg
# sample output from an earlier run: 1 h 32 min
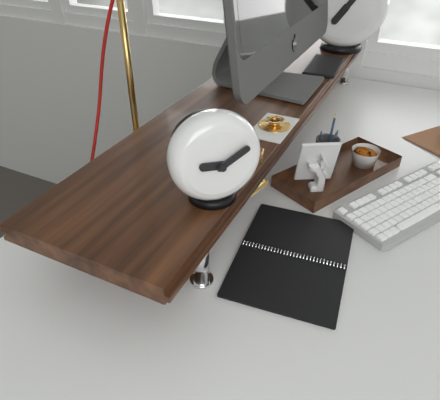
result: 9 h 10 min
